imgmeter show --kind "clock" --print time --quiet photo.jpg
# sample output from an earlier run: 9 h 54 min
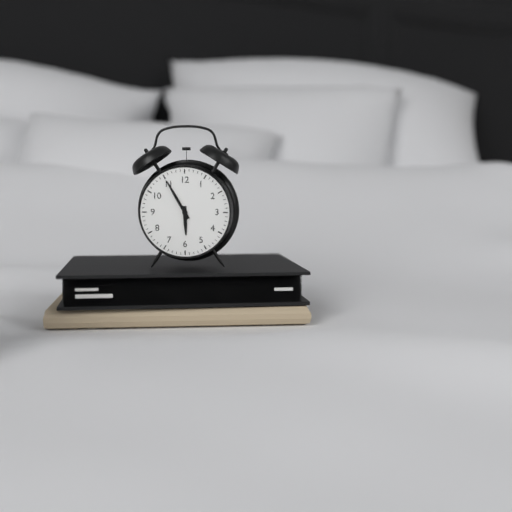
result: 5 h 55 min
